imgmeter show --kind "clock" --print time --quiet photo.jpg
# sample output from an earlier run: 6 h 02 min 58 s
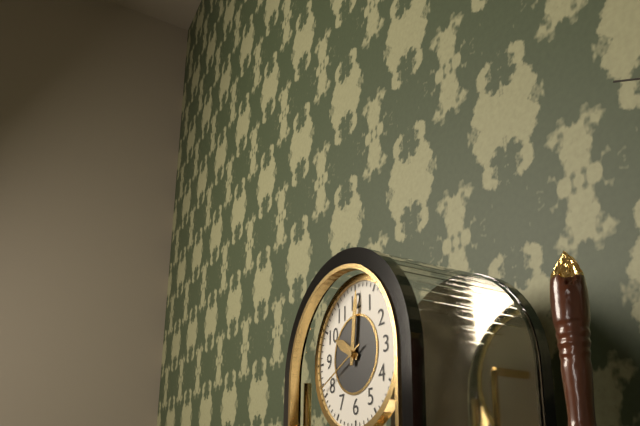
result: 10 h 01 min 41 s
